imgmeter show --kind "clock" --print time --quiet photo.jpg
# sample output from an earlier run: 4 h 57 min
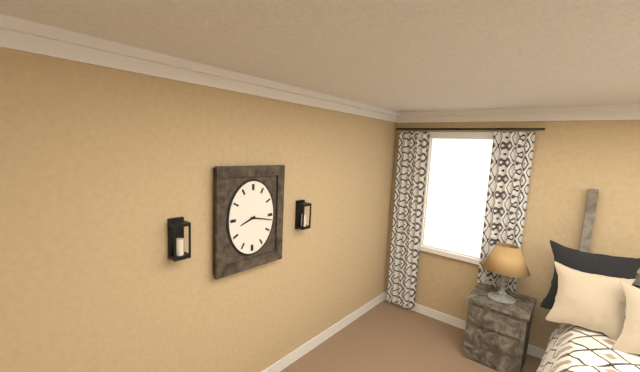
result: 8 h 17 min
